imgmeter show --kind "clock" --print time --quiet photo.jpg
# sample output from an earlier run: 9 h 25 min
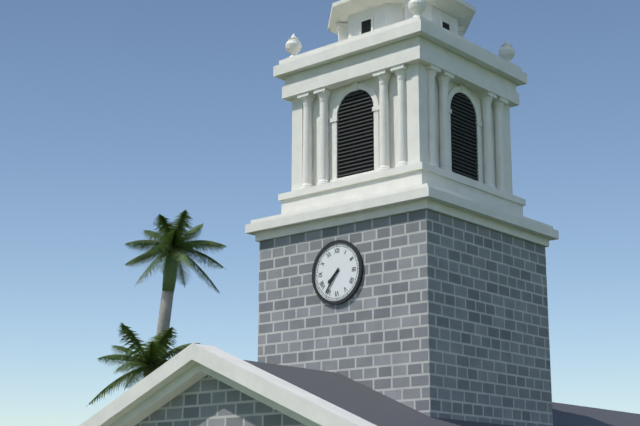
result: 7 h 36 min
